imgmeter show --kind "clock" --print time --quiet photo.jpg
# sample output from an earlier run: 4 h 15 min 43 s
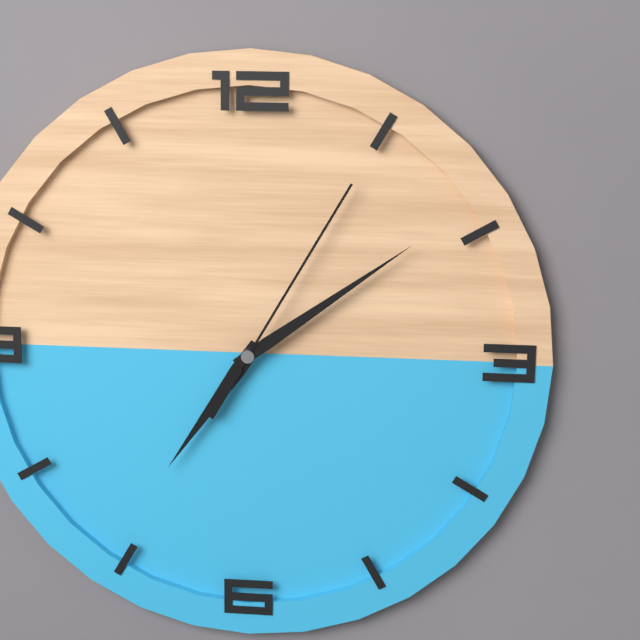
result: 7 h 09 min 05 s
